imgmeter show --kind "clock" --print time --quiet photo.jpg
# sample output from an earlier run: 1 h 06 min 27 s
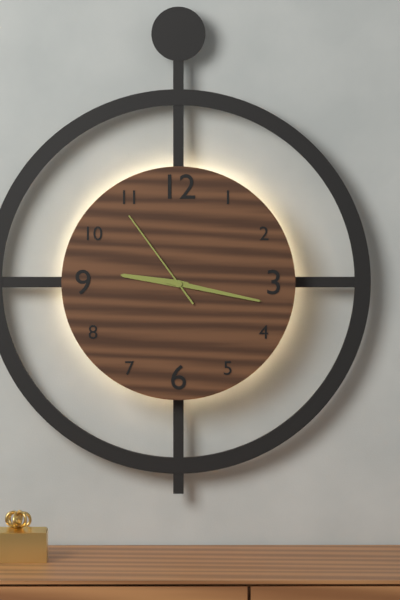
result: 9 h 17 min 54 s
